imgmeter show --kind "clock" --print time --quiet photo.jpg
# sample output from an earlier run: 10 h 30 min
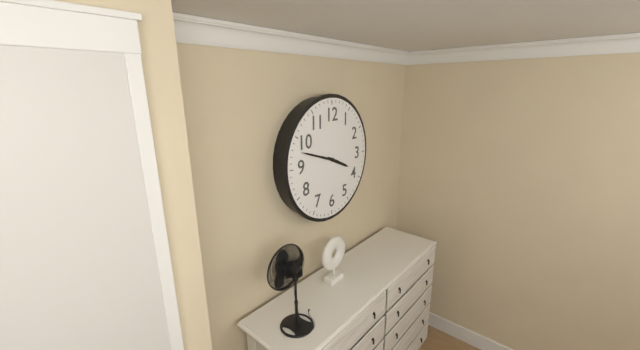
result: 3 h 48 min
